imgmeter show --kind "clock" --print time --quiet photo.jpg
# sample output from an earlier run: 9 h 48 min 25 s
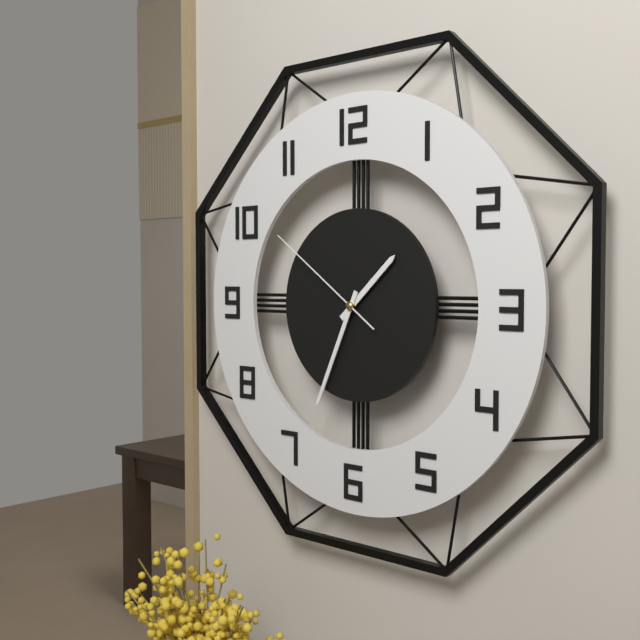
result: 1 h 34 min 51 s
